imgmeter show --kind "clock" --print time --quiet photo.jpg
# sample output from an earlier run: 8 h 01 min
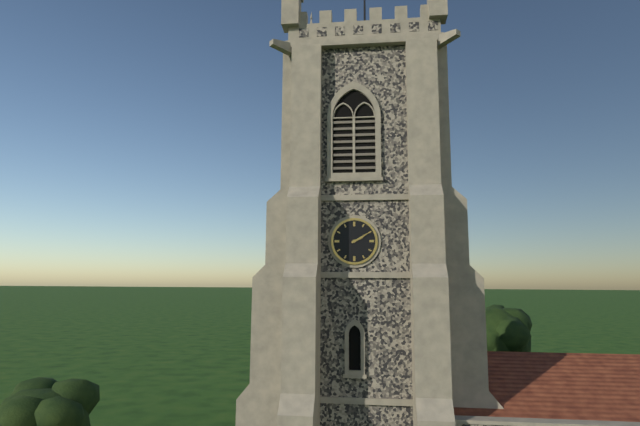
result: 2 h 10 min
